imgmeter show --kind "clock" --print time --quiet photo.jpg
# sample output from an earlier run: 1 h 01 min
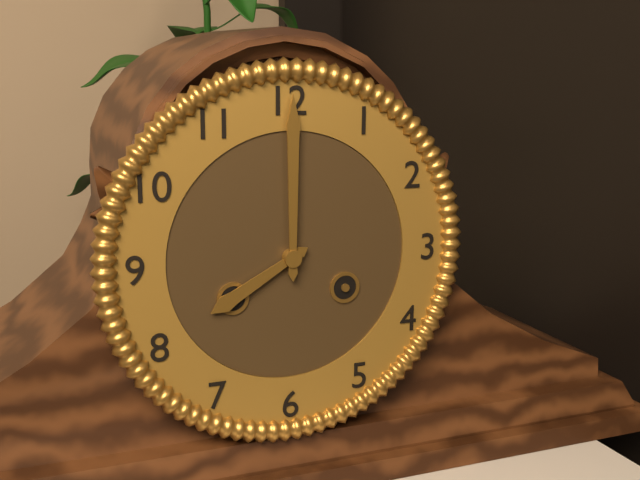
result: 8 h 00 min
